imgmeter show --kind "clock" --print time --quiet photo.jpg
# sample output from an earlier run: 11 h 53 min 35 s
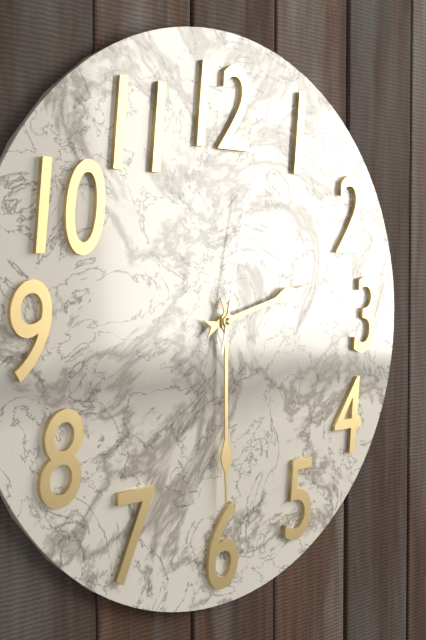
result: 2 h 30 min 02 s
